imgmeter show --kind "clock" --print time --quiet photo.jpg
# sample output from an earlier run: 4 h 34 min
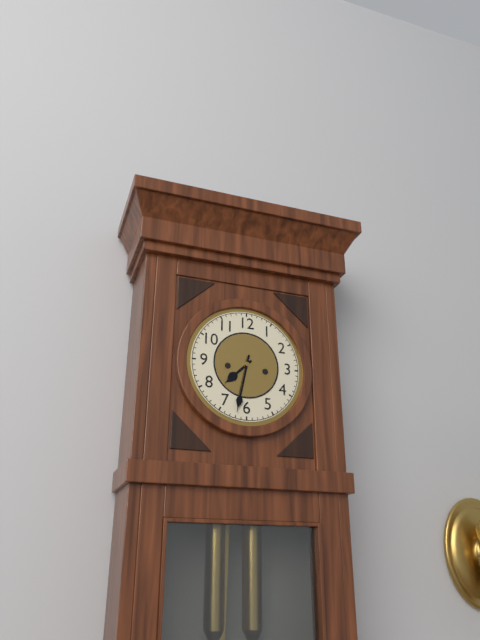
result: 7 h 32 min
